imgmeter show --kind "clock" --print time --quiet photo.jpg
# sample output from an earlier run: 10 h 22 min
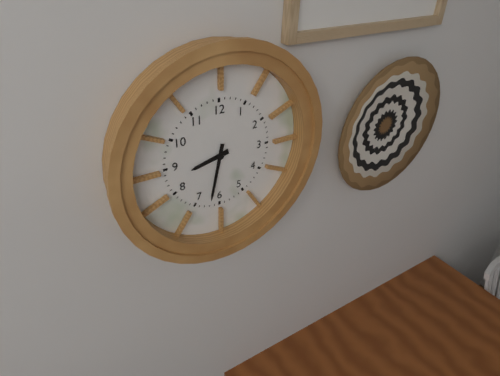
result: 8 h 32 min
